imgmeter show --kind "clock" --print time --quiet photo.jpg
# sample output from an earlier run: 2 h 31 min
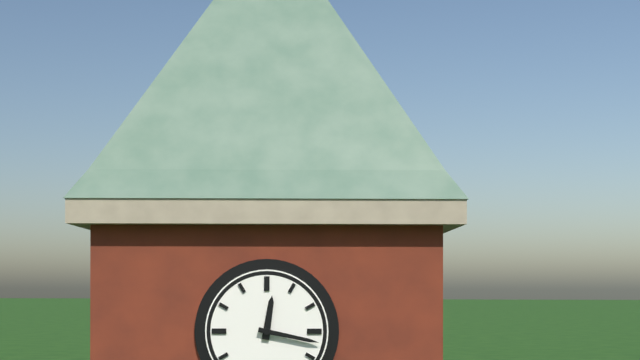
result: 12 h 17 min
